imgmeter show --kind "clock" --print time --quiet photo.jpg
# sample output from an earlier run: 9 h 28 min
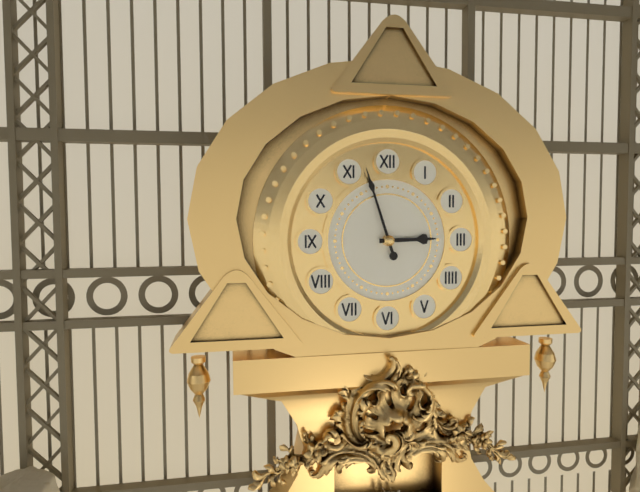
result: 2 h 57 min
